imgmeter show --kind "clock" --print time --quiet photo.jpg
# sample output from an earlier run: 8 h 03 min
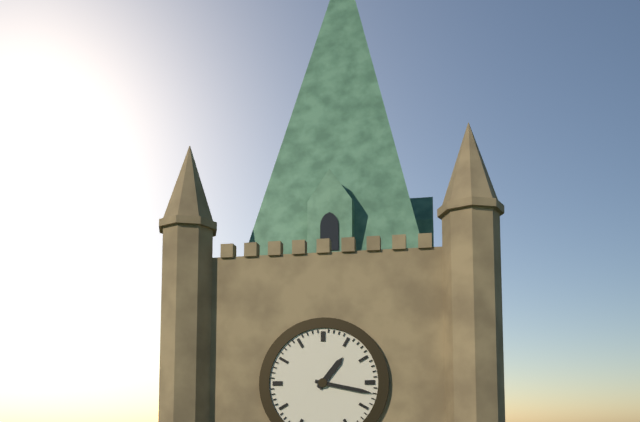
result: 1 h 17 min
